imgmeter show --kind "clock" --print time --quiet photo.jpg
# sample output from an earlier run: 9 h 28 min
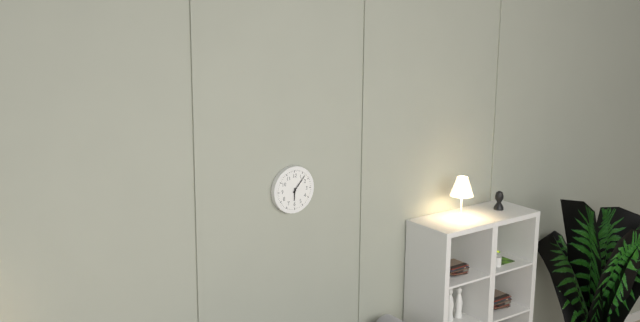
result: 6 h 07 min
